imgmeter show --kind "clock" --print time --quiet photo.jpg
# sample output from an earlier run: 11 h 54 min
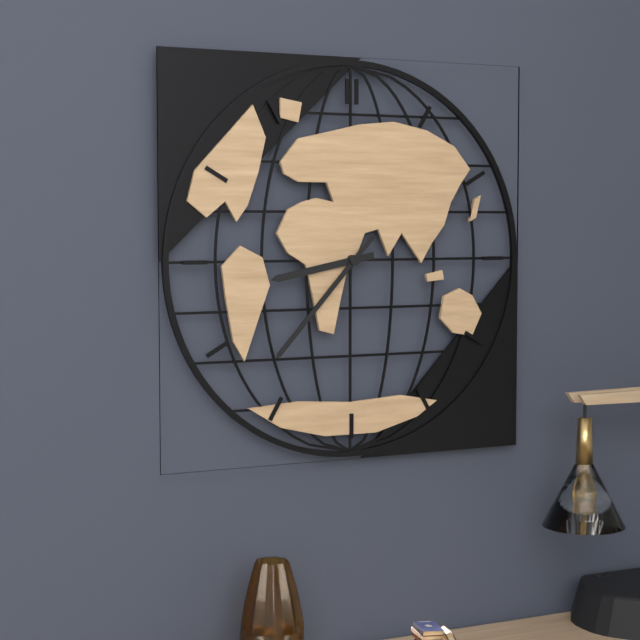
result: 8 h 37 min
